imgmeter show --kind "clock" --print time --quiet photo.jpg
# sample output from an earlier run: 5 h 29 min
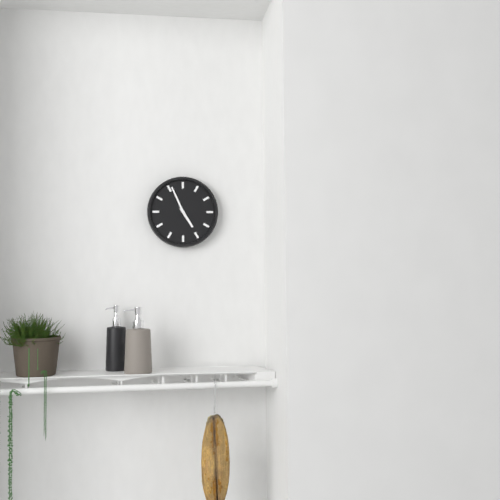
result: 4 h 56 min
